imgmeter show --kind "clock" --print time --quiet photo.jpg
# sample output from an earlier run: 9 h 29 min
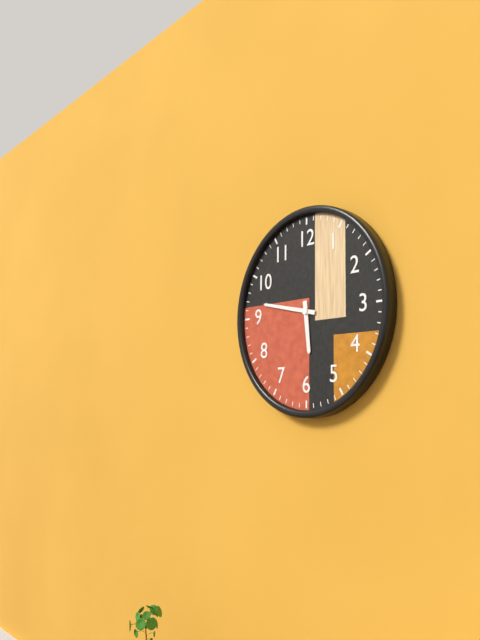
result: 5 h 47 min
